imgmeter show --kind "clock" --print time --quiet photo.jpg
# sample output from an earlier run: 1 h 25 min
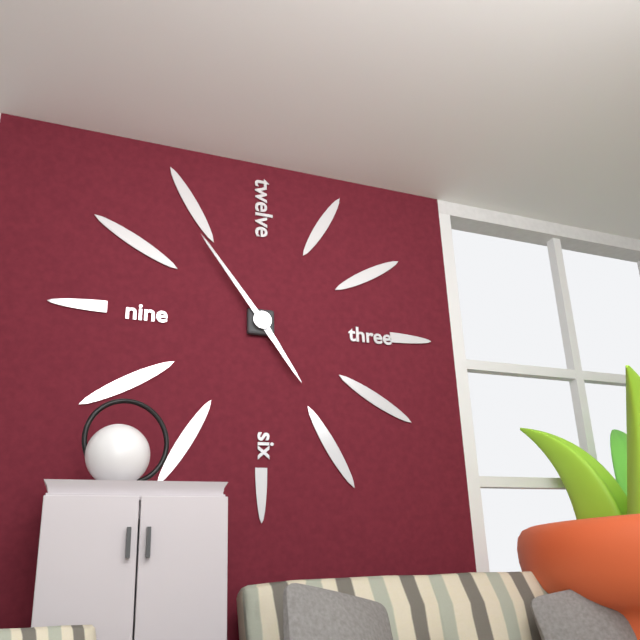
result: 4 h 54 min
